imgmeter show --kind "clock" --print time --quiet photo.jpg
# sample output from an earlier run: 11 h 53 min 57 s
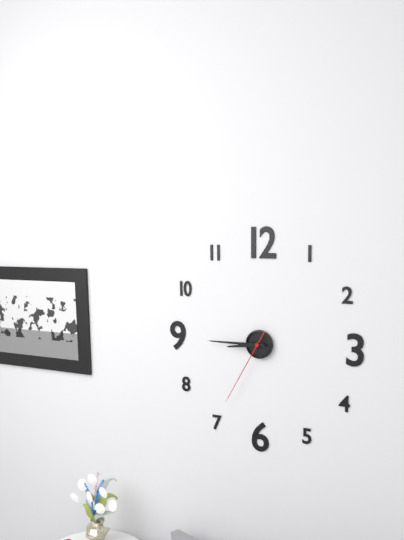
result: 8 h 45 min 35 s
